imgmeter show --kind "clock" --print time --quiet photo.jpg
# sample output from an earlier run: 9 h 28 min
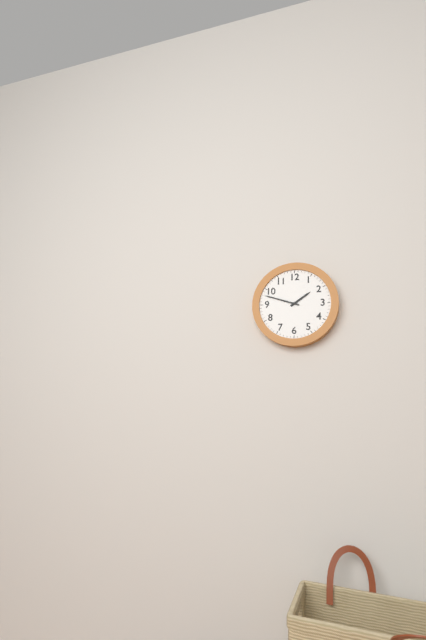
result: 1 h 48 min
